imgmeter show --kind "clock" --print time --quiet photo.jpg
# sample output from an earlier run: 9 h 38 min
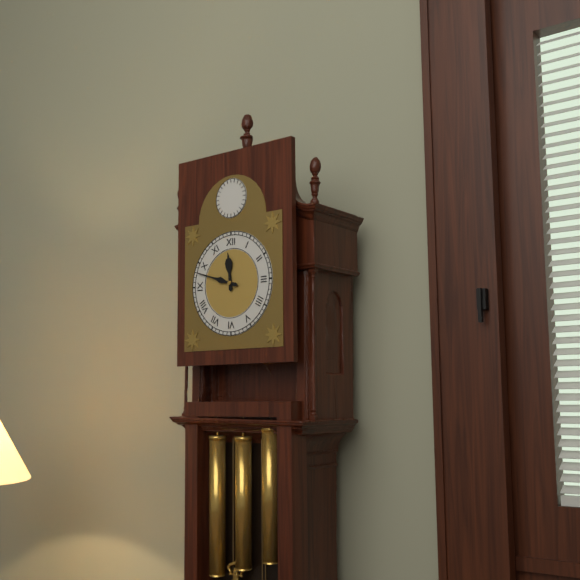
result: 11 h 48 min
